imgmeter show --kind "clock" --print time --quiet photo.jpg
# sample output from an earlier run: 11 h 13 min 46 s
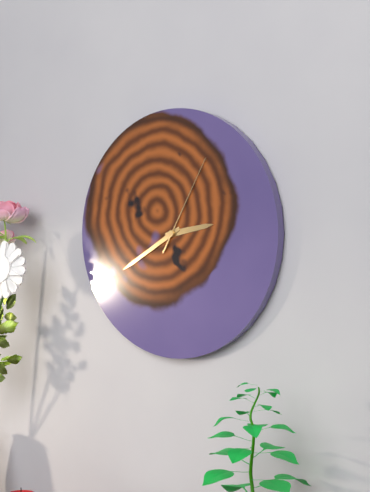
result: 2 h 40 min 05 s
